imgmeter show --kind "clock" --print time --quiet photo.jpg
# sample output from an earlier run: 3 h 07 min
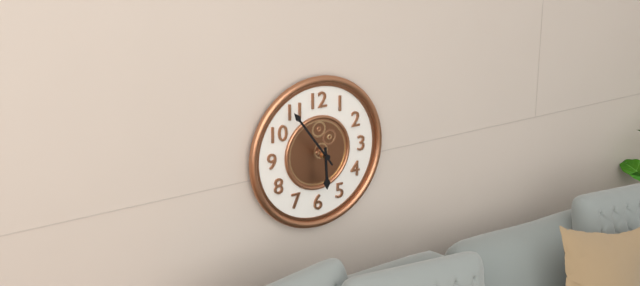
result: 5 h 54 min
